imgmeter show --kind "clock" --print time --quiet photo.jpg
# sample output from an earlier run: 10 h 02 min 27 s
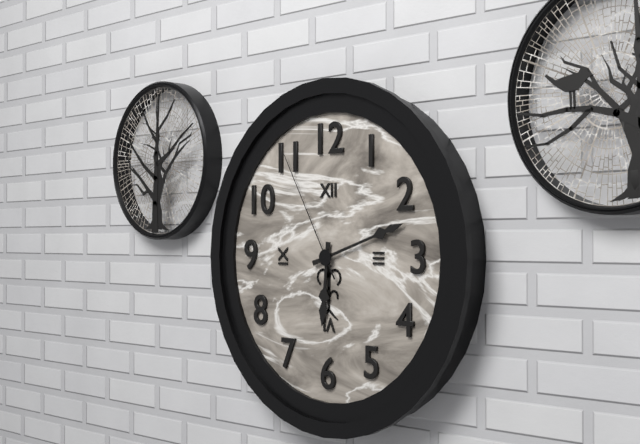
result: 6 h 12 min 55 s
